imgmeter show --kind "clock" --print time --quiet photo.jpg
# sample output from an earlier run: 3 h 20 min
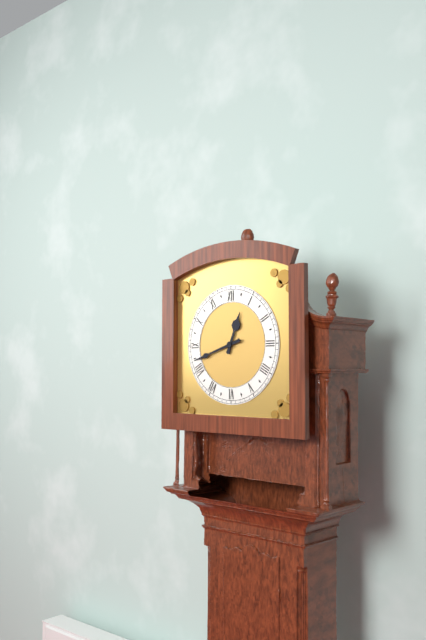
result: 12 h 42 min
